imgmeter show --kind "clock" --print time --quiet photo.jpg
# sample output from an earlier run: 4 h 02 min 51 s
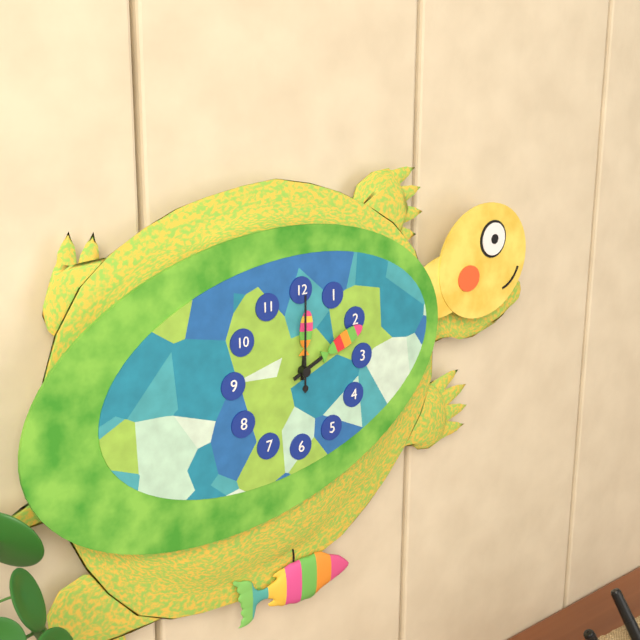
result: 12 h 11 min 00 s
